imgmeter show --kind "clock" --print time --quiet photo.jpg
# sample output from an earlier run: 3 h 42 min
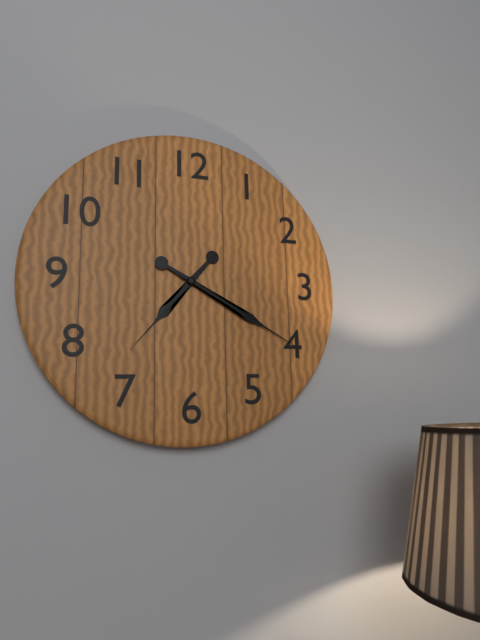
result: 7 h 20 min
